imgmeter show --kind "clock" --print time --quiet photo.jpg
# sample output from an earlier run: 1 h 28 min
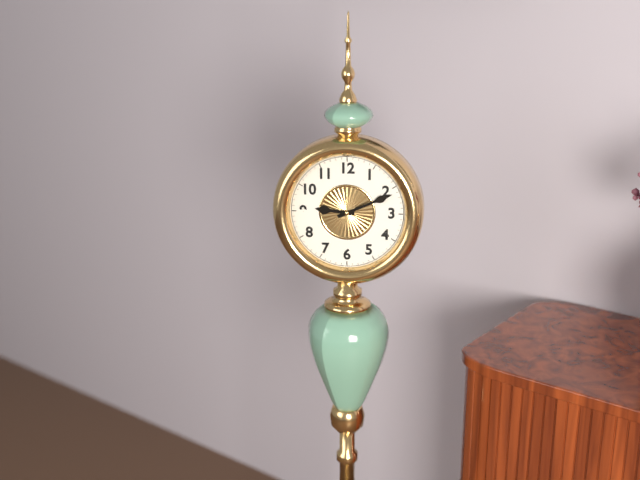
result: 9 h 11 min
